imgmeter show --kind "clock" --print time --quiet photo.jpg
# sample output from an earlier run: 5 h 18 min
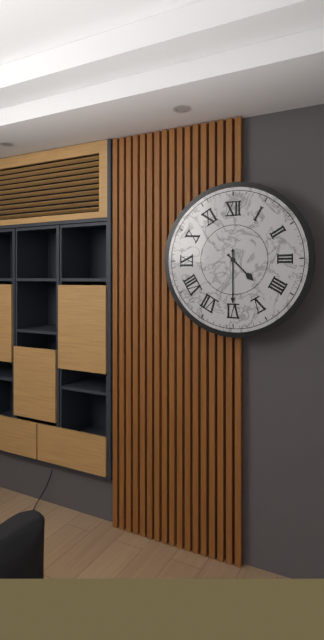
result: 4 h 30 min
